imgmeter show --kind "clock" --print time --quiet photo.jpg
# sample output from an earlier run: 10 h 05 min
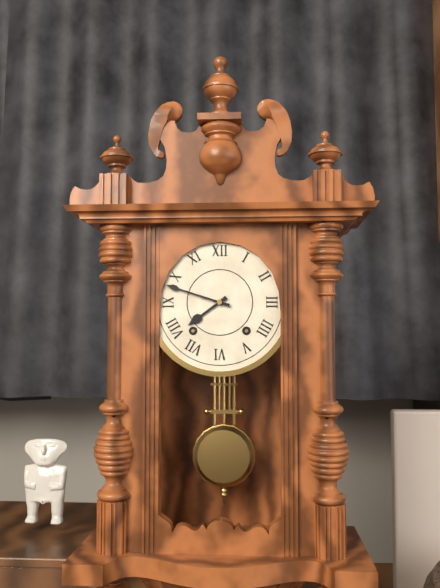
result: 7 h 48 min
